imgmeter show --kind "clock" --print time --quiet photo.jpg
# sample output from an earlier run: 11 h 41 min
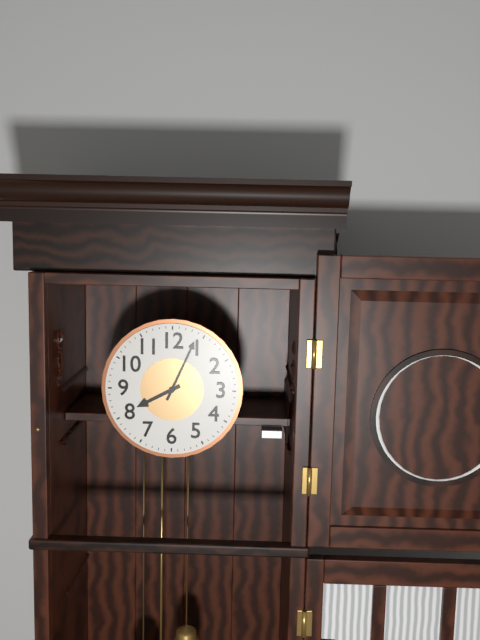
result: 8 h 04 min
